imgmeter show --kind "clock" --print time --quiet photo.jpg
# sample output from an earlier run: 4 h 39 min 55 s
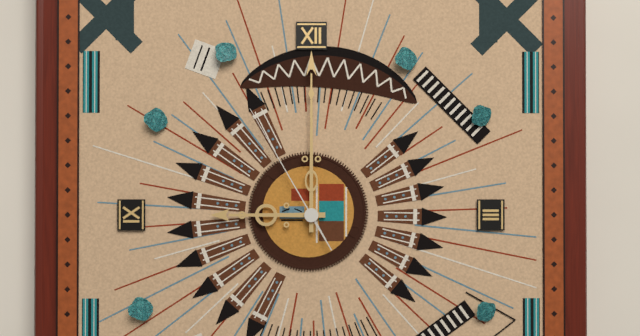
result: 9 h 00 min 55 s
